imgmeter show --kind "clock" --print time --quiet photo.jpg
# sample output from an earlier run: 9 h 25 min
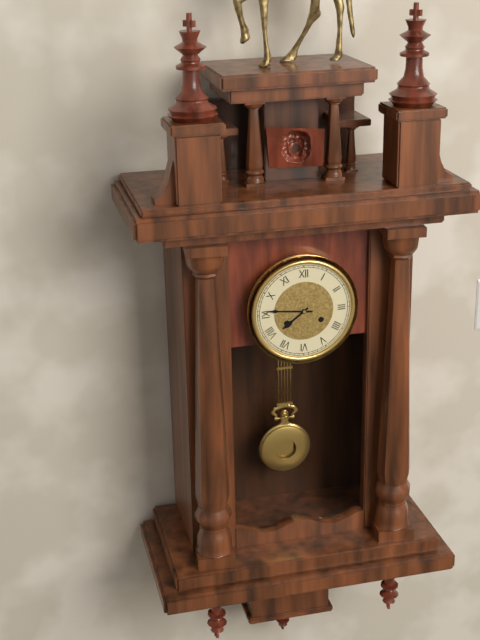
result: 7 h 46 min
